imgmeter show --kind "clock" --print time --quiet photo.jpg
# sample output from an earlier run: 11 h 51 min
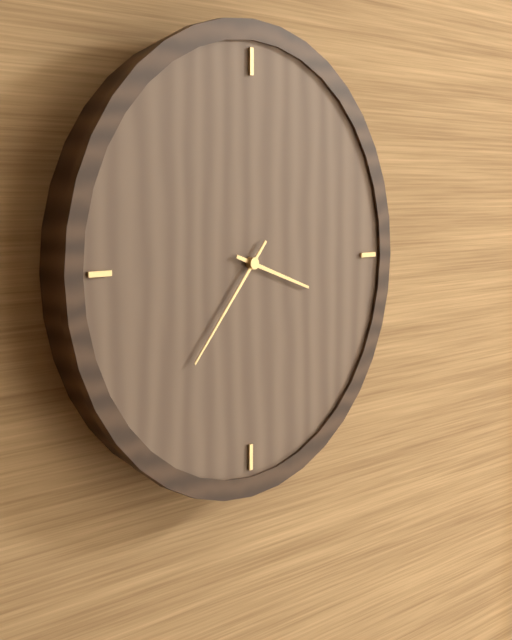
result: 3 h 37 min
